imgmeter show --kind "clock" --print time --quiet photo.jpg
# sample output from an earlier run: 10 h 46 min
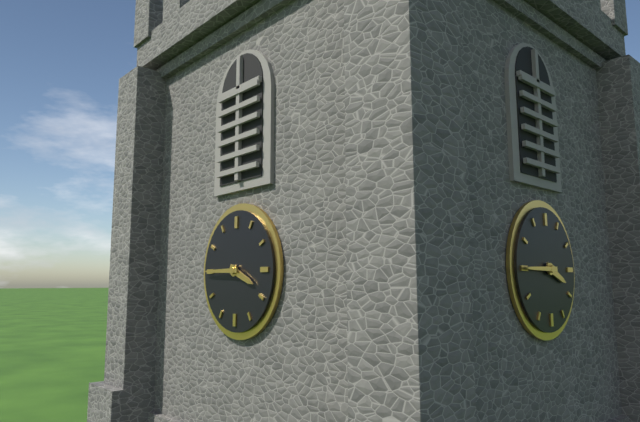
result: 3 h 45 min
